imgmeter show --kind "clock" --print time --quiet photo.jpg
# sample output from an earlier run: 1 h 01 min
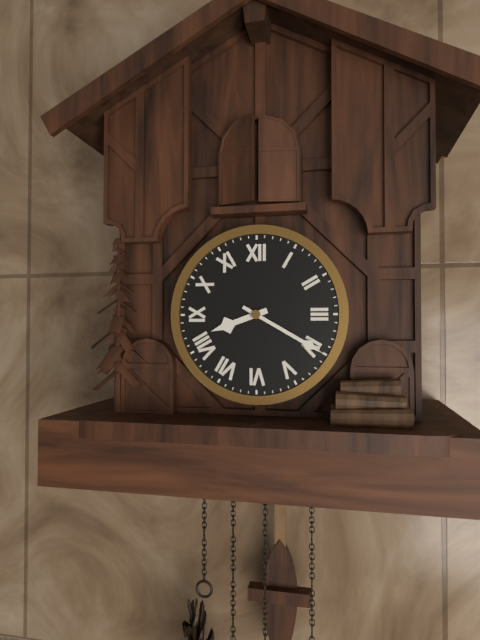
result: 8 h 20 min
